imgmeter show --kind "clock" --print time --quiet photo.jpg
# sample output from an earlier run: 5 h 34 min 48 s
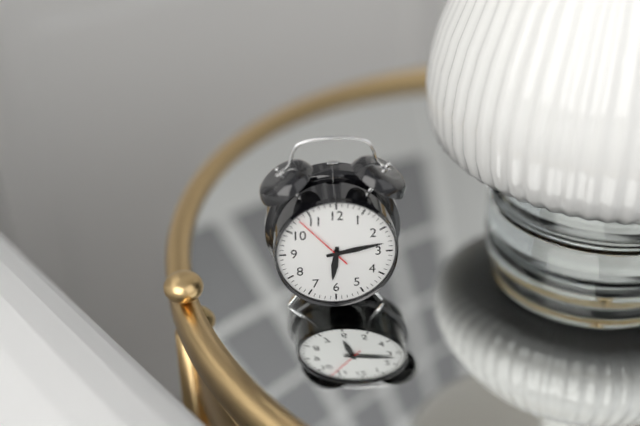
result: 6 h 13 min 53 s
